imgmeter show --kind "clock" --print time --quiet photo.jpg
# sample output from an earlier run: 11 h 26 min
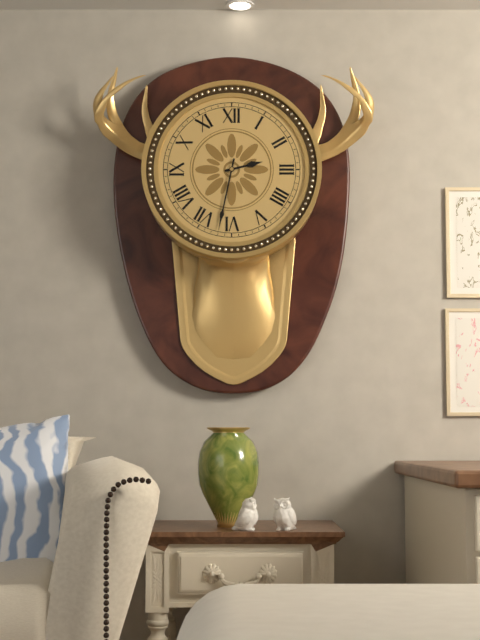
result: 2 h 32 min
